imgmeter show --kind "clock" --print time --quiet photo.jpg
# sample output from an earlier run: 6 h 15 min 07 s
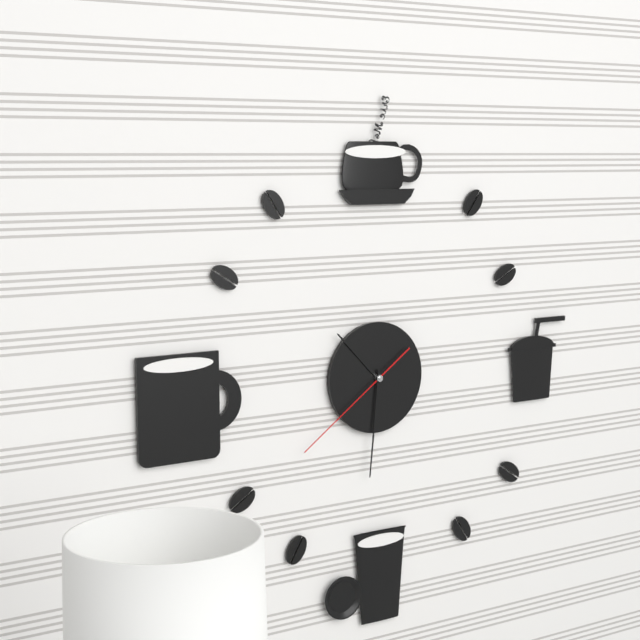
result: 10 h 31 min 39 s
